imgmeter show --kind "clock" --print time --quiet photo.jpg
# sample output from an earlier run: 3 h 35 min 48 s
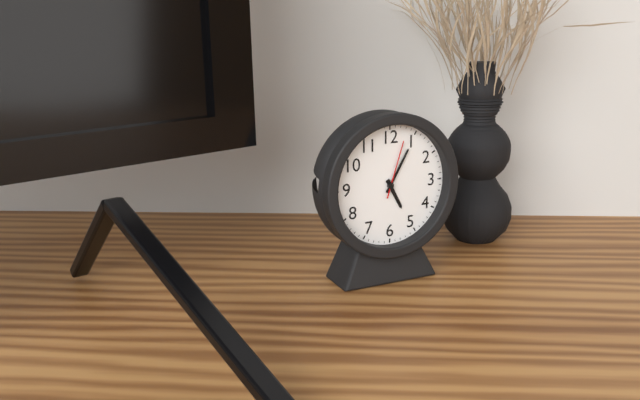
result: 5 h 05 min 03 s
